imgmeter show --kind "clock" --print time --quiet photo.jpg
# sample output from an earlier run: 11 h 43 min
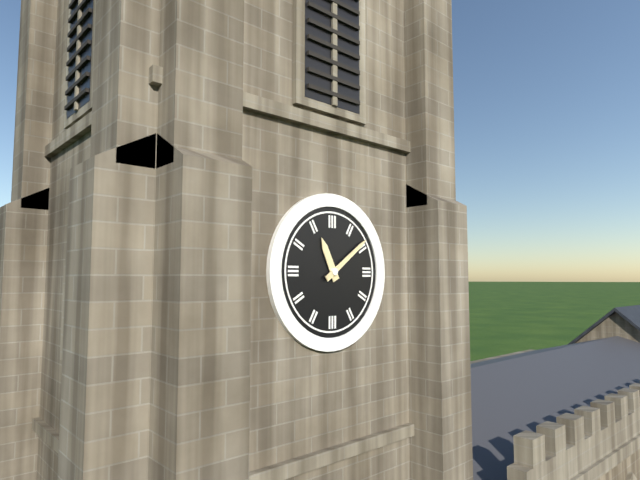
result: 11 h 09 min
